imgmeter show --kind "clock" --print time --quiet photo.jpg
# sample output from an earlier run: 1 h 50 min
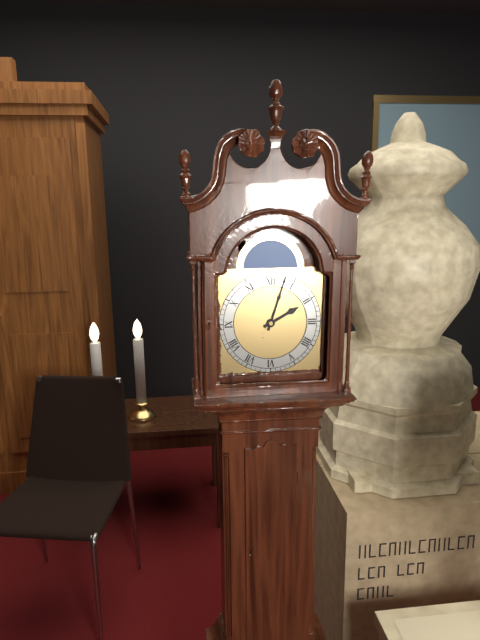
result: 2 h 03 min
